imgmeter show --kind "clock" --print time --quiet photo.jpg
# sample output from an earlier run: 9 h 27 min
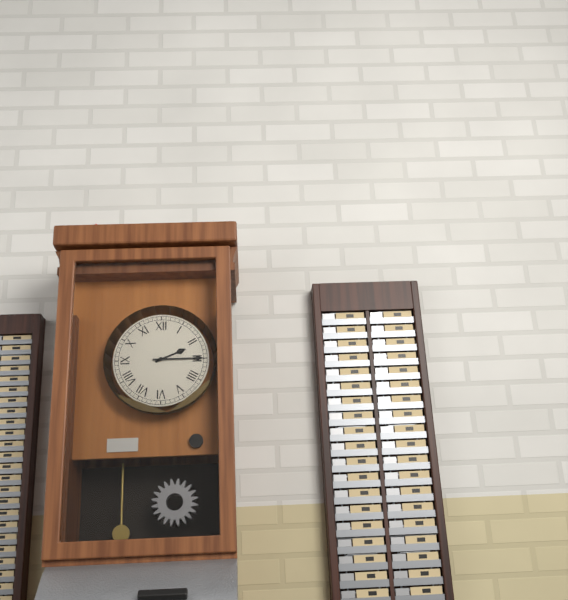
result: 2 h 15 min
